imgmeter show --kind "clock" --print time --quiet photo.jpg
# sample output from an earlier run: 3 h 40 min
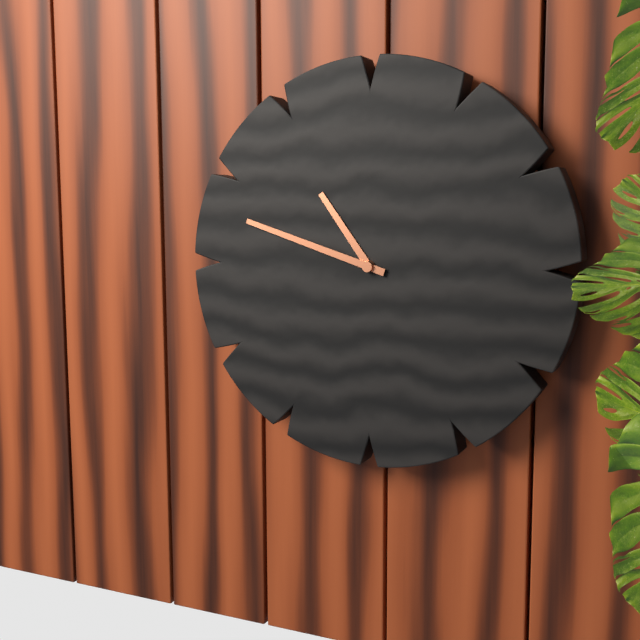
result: 10 h 48 min
